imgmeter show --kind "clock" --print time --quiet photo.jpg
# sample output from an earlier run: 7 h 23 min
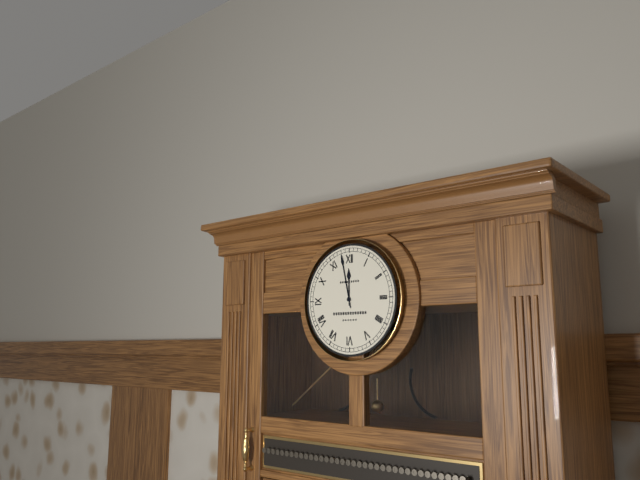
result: 11 h 58 min
